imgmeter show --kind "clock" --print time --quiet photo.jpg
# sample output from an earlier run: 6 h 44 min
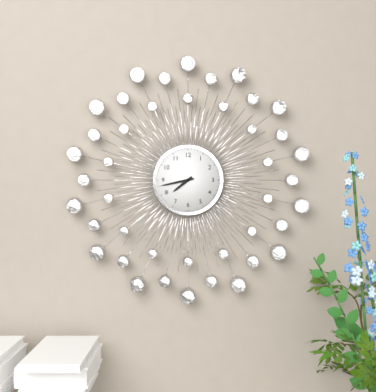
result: 7 h 43 min
